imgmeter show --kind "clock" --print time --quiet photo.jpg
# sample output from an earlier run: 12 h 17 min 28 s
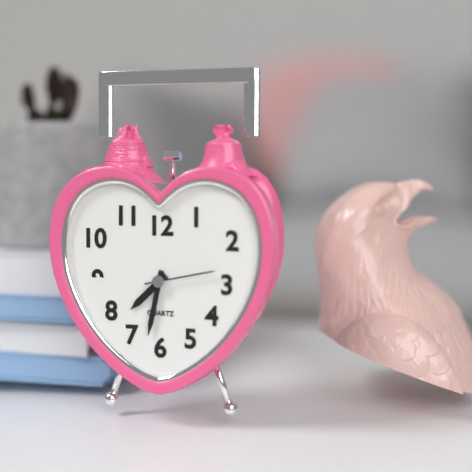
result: 7 h 32 min 13 s
